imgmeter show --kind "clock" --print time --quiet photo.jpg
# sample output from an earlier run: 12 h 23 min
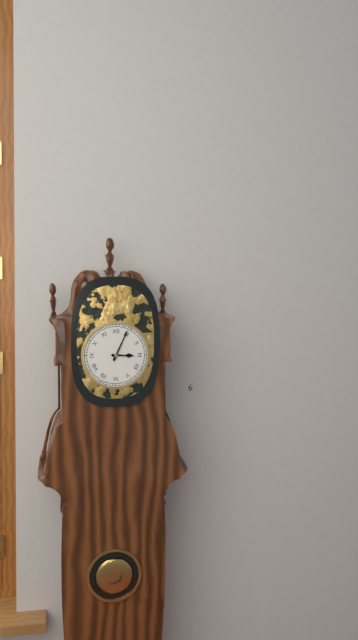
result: 3 h 04 min
